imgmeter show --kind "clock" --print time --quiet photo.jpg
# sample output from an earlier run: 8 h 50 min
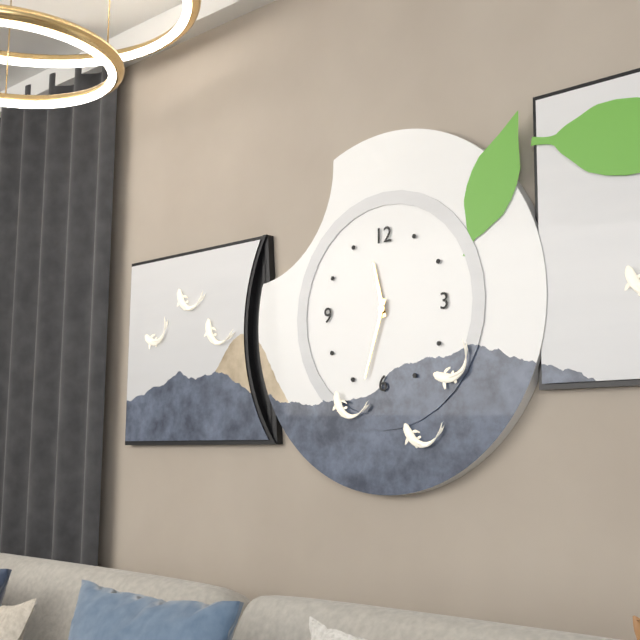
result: 11 h 33 min
